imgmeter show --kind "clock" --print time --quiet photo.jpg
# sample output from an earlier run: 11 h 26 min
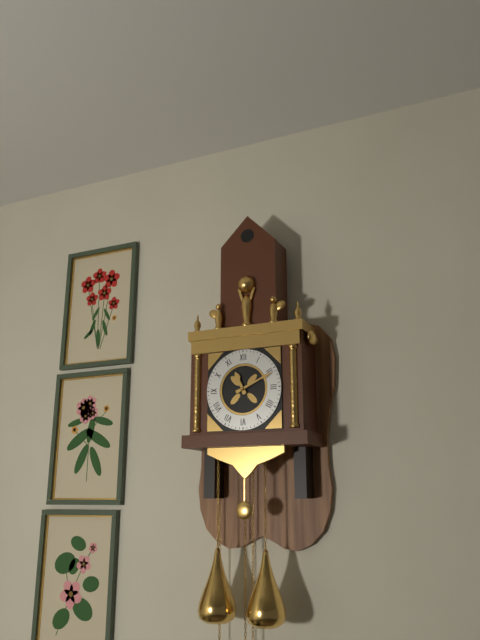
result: 11 h 11 min
